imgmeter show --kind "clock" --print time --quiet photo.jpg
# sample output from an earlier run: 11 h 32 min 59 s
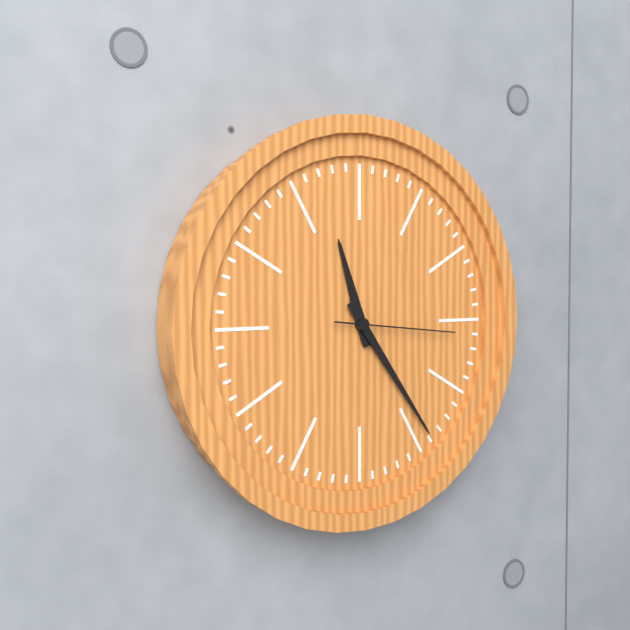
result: 11 h 24 min 16 s
